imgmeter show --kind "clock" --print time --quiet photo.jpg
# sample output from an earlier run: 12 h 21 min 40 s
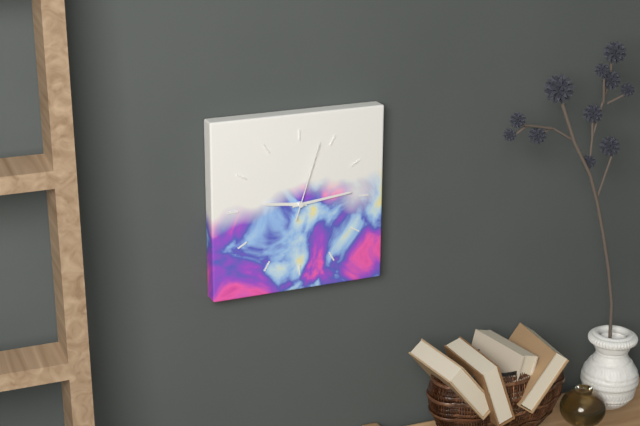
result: 9 h 14 min 03 s
